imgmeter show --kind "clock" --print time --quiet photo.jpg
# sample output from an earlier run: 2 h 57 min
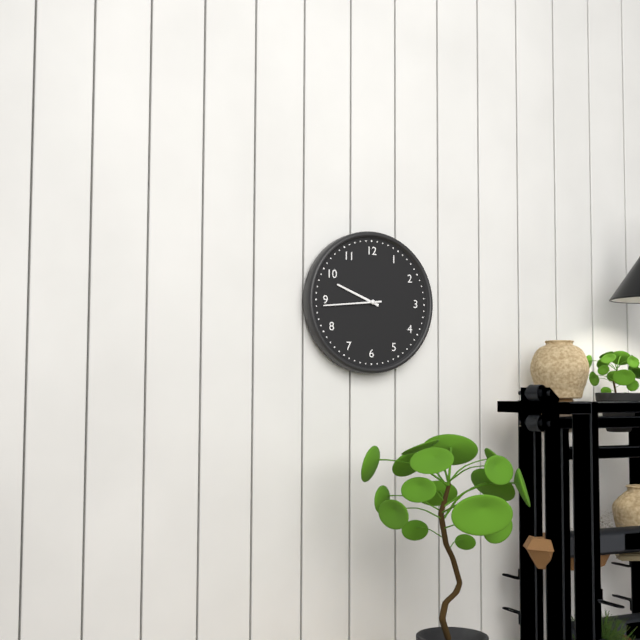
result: 9 h 44 min
